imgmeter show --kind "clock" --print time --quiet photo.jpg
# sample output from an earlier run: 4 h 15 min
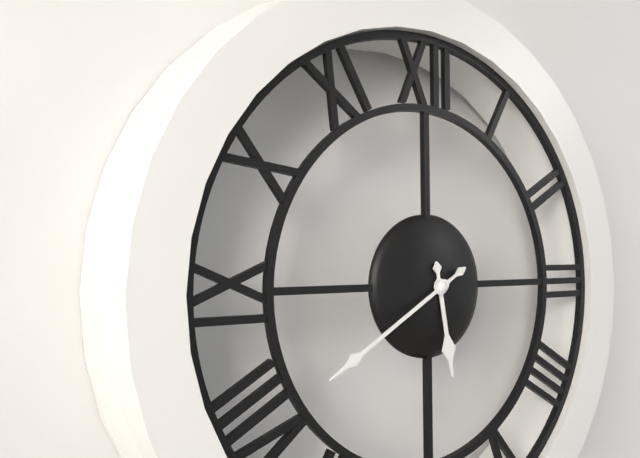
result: 5 h 40 min
